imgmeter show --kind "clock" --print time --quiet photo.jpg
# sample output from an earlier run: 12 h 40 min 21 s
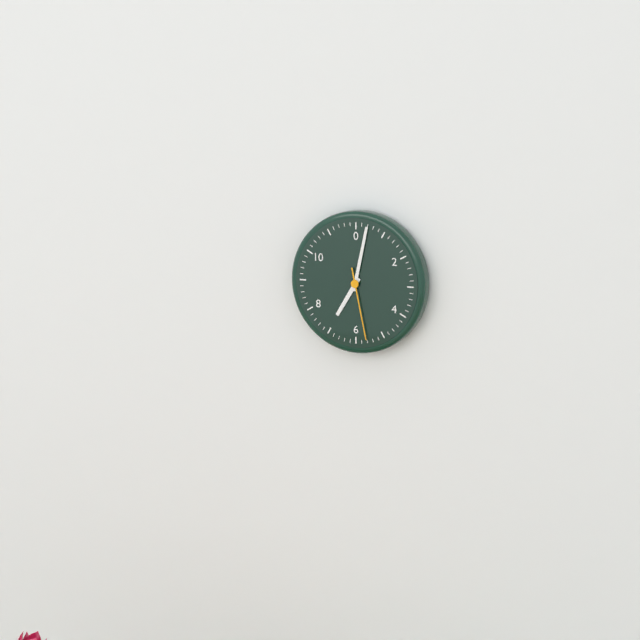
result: 7 h 02 min 28 s
